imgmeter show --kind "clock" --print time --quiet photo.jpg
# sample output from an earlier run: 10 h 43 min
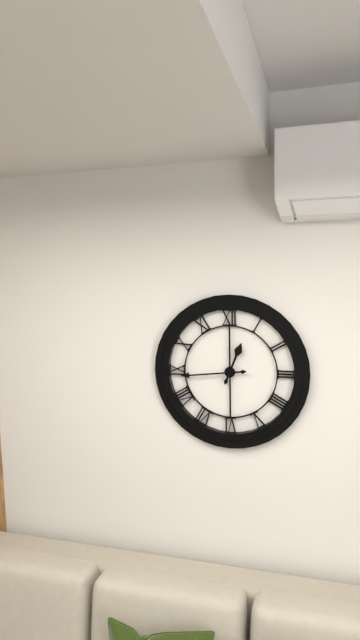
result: 12 h 44 min
